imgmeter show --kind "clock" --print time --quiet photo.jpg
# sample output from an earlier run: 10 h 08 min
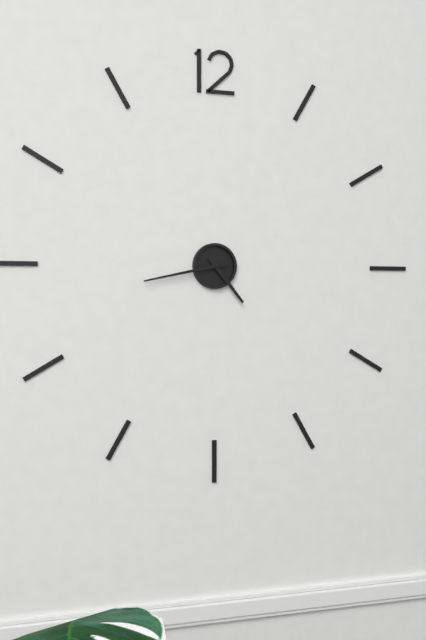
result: 4 h 43 min
